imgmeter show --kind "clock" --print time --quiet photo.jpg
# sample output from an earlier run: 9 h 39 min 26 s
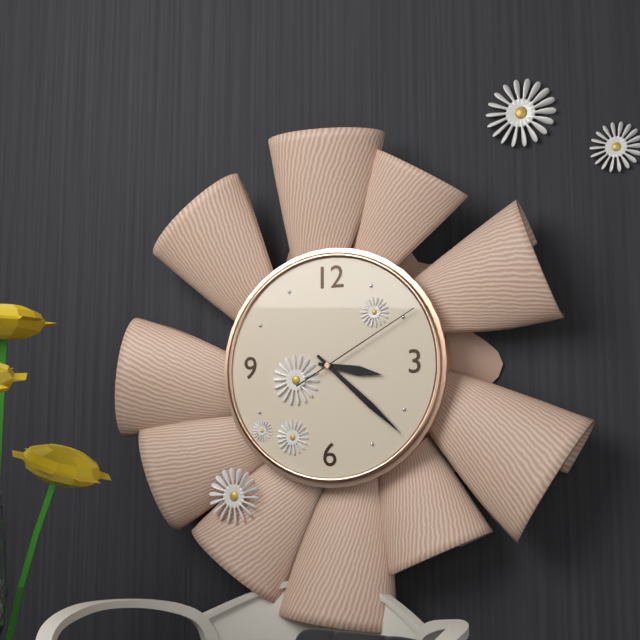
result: 3 h 22 min 10 s
